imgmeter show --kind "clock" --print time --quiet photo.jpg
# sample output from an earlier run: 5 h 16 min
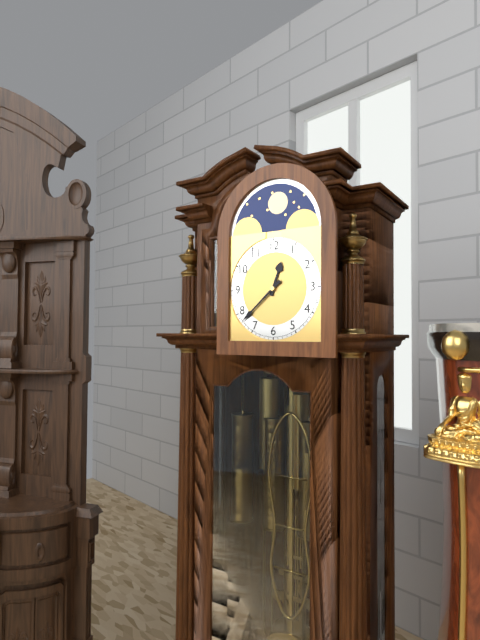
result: 12 h 38 min
